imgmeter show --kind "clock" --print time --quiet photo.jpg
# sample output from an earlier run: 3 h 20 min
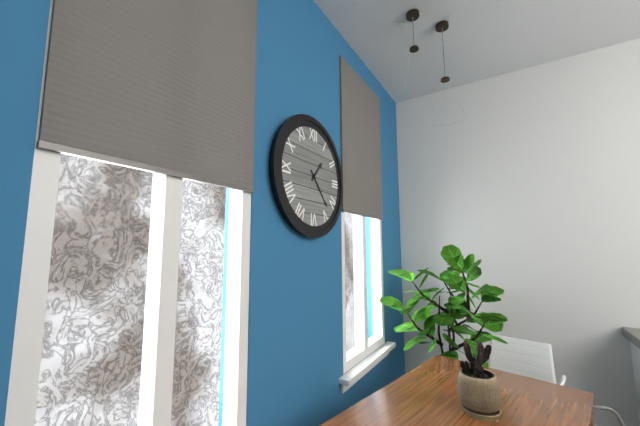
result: 1 h 23 min
